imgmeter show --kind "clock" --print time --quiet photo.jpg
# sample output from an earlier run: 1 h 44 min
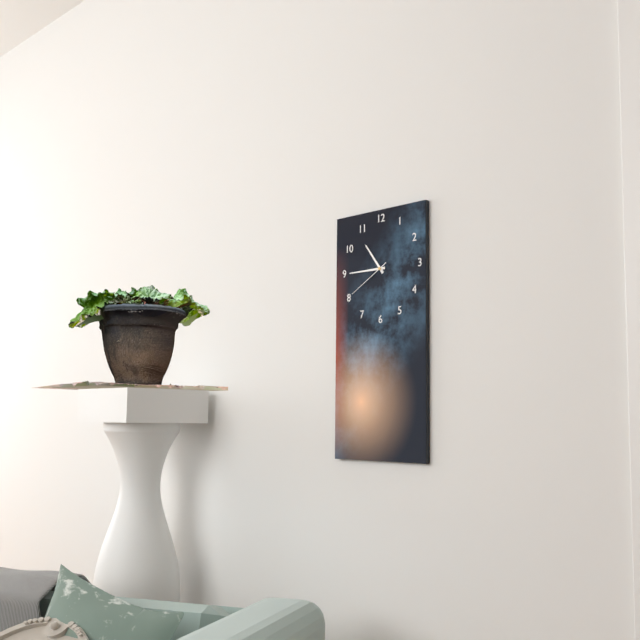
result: 10 h 45 min
